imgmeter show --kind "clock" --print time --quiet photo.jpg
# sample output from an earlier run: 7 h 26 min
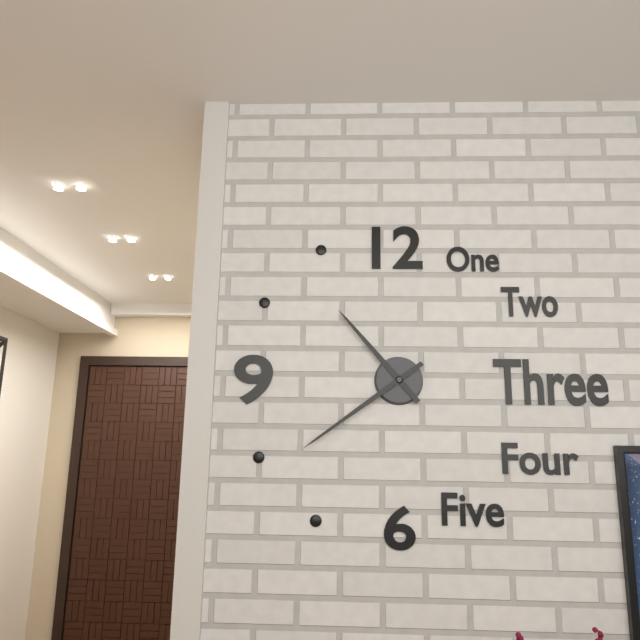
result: 10 h 39 min
